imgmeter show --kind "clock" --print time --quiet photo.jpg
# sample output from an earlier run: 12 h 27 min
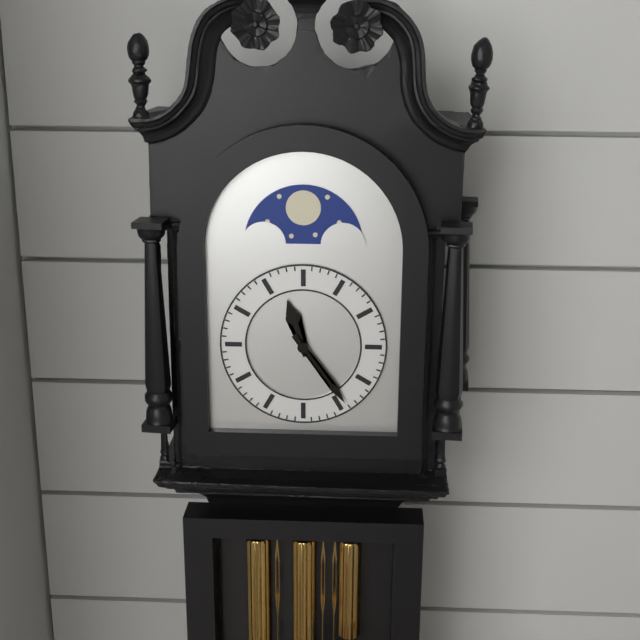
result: 11 h 24 min
